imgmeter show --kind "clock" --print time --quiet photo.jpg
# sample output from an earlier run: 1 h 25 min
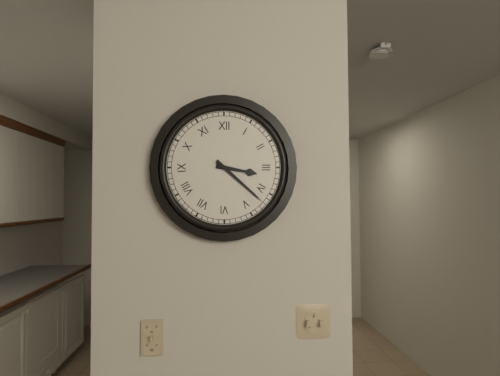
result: 3 h 22 min
